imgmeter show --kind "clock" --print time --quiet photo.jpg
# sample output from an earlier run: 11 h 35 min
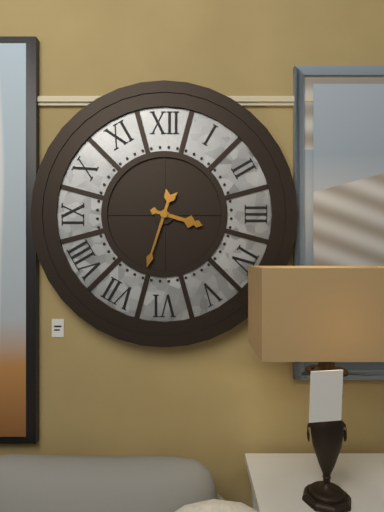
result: 3 h 33 min
